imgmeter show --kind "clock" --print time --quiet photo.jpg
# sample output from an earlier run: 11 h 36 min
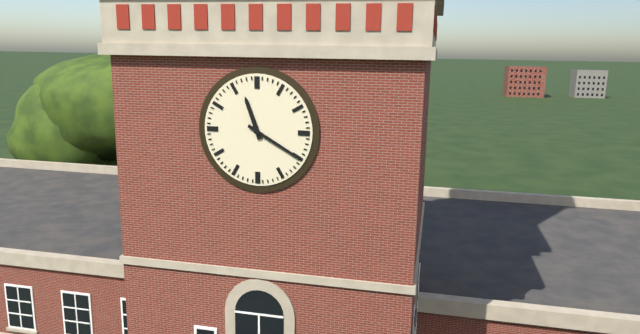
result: 11 h 20 min
